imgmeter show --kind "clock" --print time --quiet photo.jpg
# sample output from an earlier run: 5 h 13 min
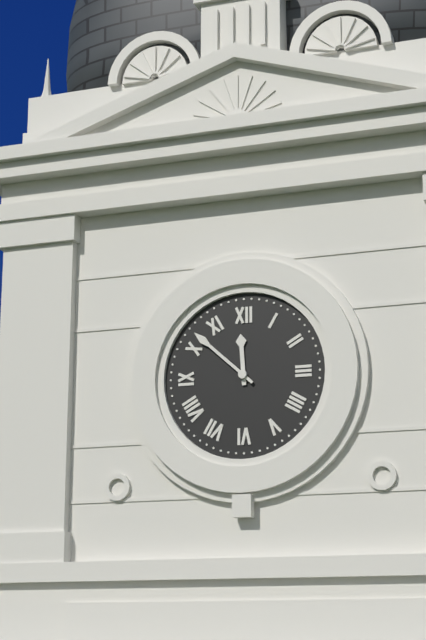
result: 11 h 52 min
